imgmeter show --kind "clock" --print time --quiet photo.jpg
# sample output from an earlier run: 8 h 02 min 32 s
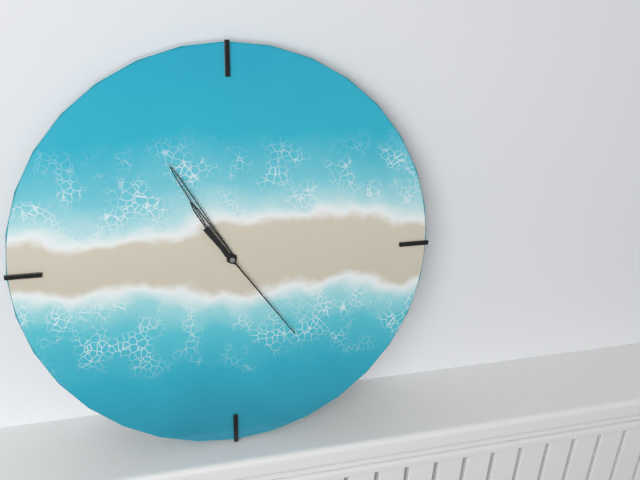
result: 10 h 55 min 24 s
